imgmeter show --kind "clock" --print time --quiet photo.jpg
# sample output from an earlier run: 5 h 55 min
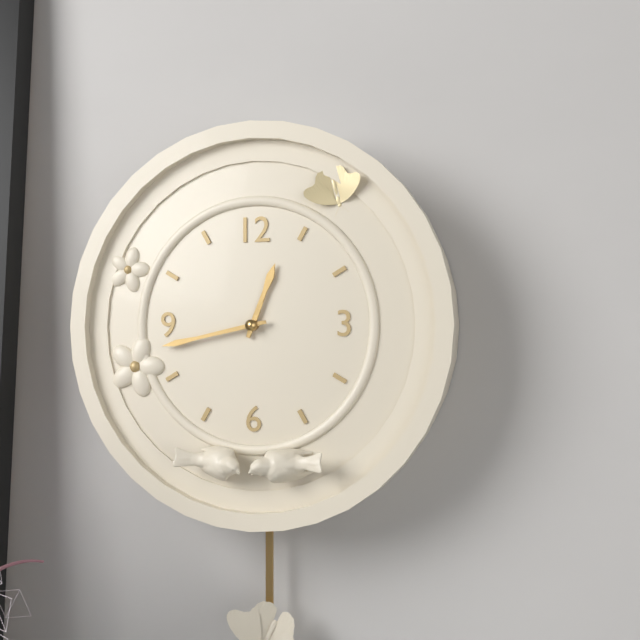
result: 12 h 43 min
